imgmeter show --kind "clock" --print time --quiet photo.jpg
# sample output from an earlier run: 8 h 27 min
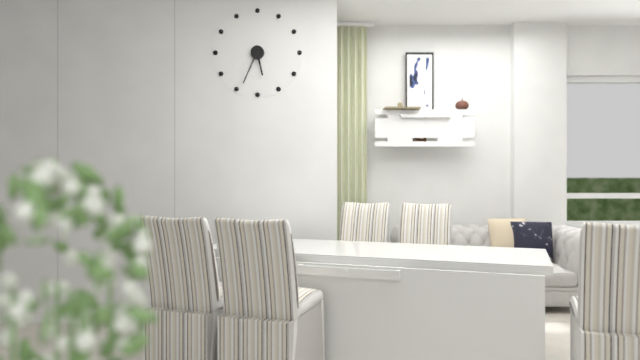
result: 5 h 34 min
